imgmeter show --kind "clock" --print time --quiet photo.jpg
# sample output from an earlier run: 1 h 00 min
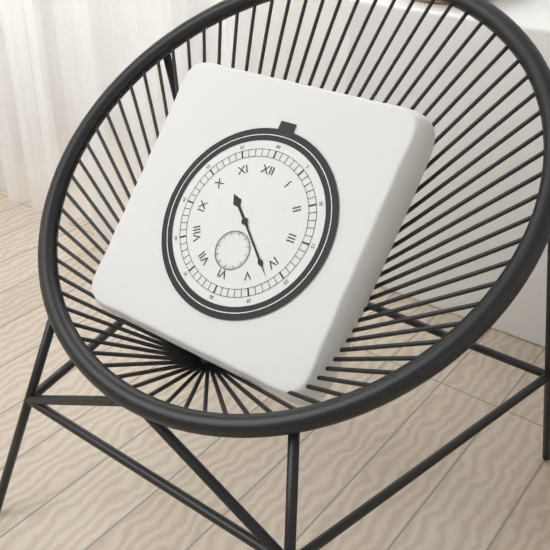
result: 10 h 22 min
